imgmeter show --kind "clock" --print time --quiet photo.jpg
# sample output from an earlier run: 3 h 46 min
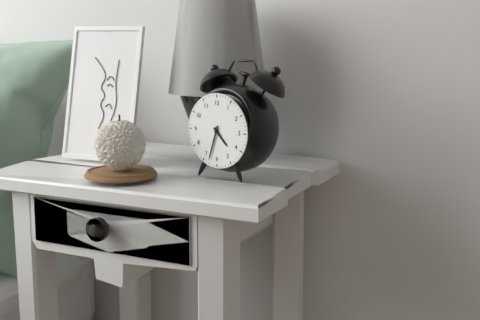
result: 4 h 33 min
